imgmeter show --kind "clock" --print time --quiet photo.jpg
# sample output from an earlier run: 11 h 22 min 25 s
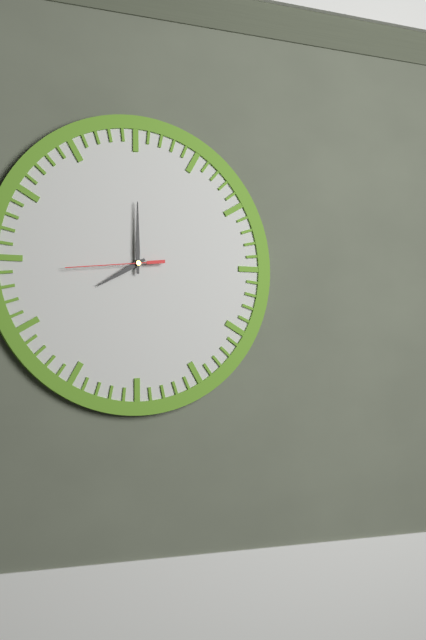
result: 8 h 00 min 44 s
